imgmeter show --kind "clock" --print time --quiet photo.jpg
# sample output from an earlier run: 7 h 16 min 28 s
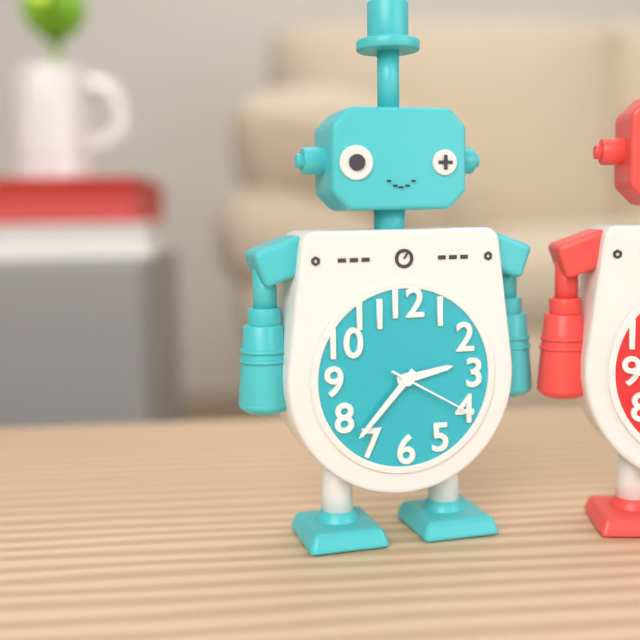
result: 2 h 37 min 20 s
